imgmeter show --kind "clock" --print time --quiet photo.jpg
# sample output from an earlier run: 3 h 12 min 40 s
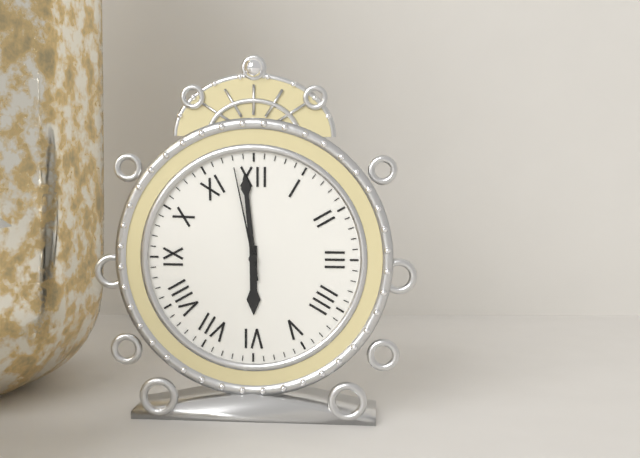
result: 5 h 59 min 58 s
